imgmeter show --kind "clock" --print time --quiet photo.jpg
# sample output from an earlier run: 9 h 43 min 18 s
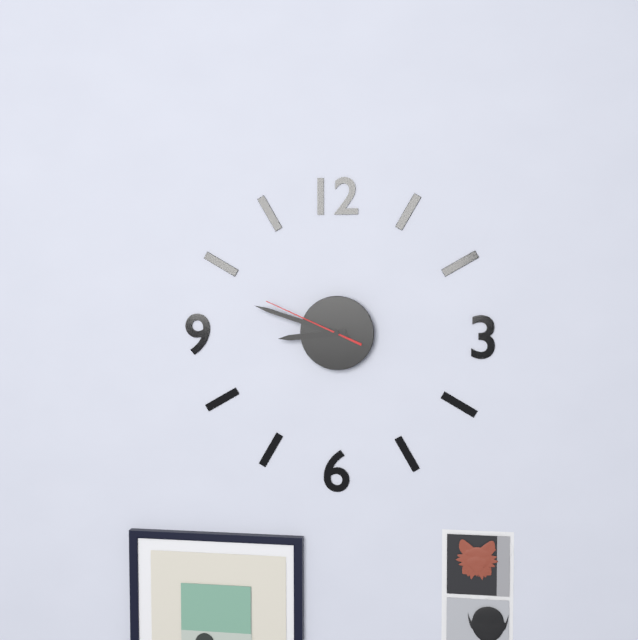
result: 8 h 48 min 49 s
